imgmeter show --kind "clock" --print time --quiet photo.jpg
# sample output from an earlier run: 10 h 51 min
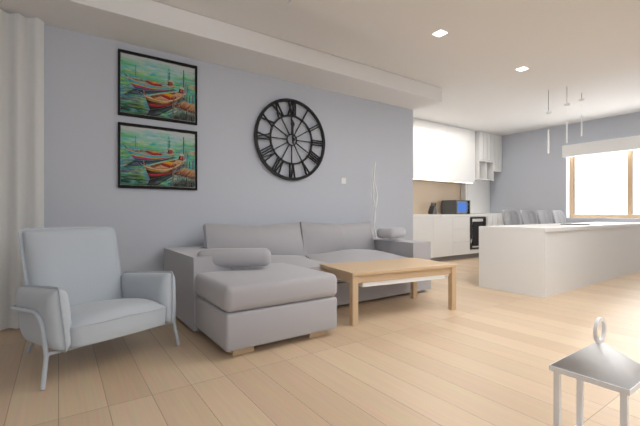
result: 11 h 59 min
